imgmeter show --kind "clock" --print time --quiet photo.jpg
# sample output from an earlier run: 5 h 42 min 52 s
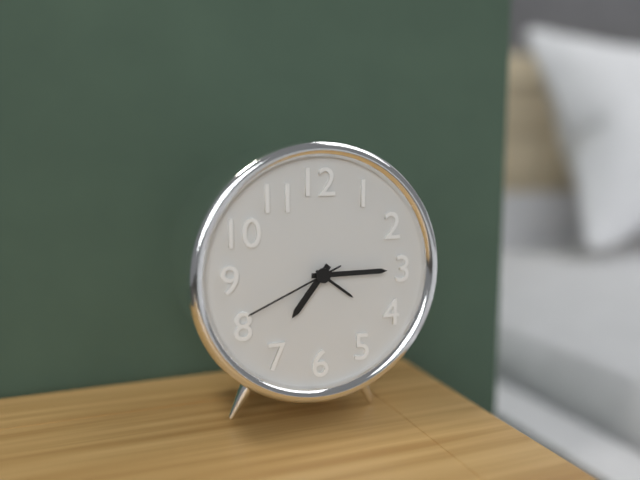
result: 7 h 15 min 41 s
